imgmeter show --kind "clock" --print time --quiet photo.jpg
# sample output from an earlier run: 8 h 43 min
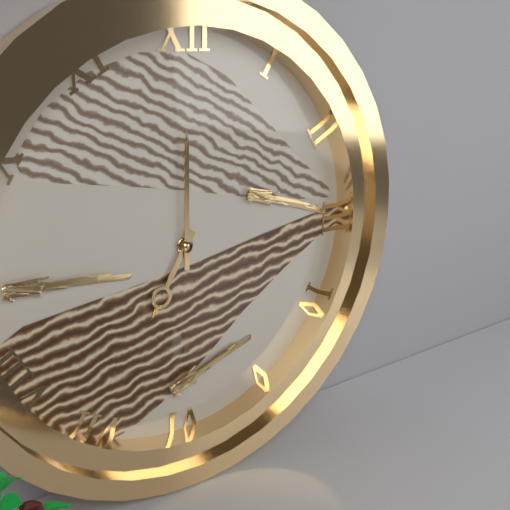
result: 7 h 00 min
